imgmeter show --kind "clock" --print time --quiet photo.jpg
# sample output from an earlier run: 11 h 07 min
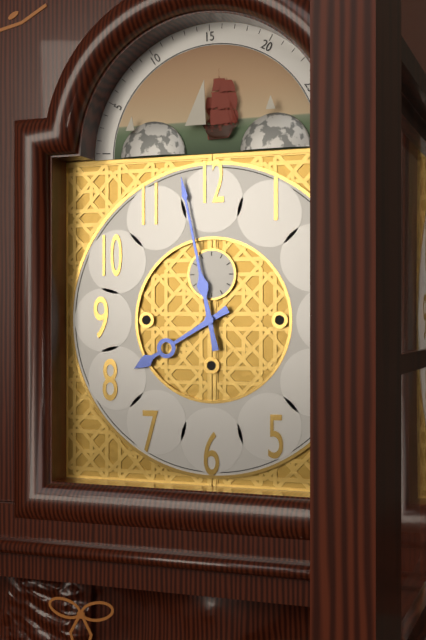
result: 7 h 58 min
